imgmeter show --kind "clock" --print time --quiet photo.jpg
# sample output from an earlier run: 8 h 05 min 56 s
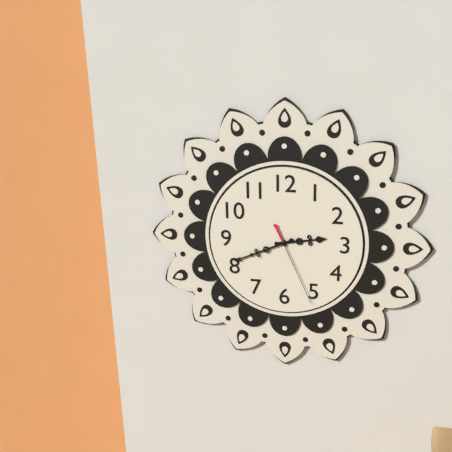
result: 2 h 41 min 26 s
